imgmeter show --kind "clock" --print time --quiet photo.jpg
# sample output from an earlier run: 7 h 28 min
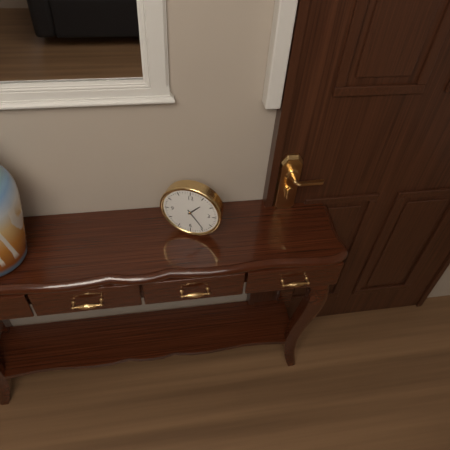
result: 1 h 24 min
